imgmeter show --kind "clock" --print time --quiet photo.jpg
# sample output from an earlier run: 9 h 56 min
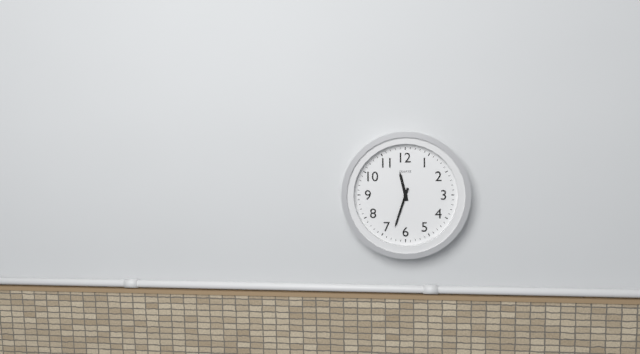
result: 11 h 33 min
